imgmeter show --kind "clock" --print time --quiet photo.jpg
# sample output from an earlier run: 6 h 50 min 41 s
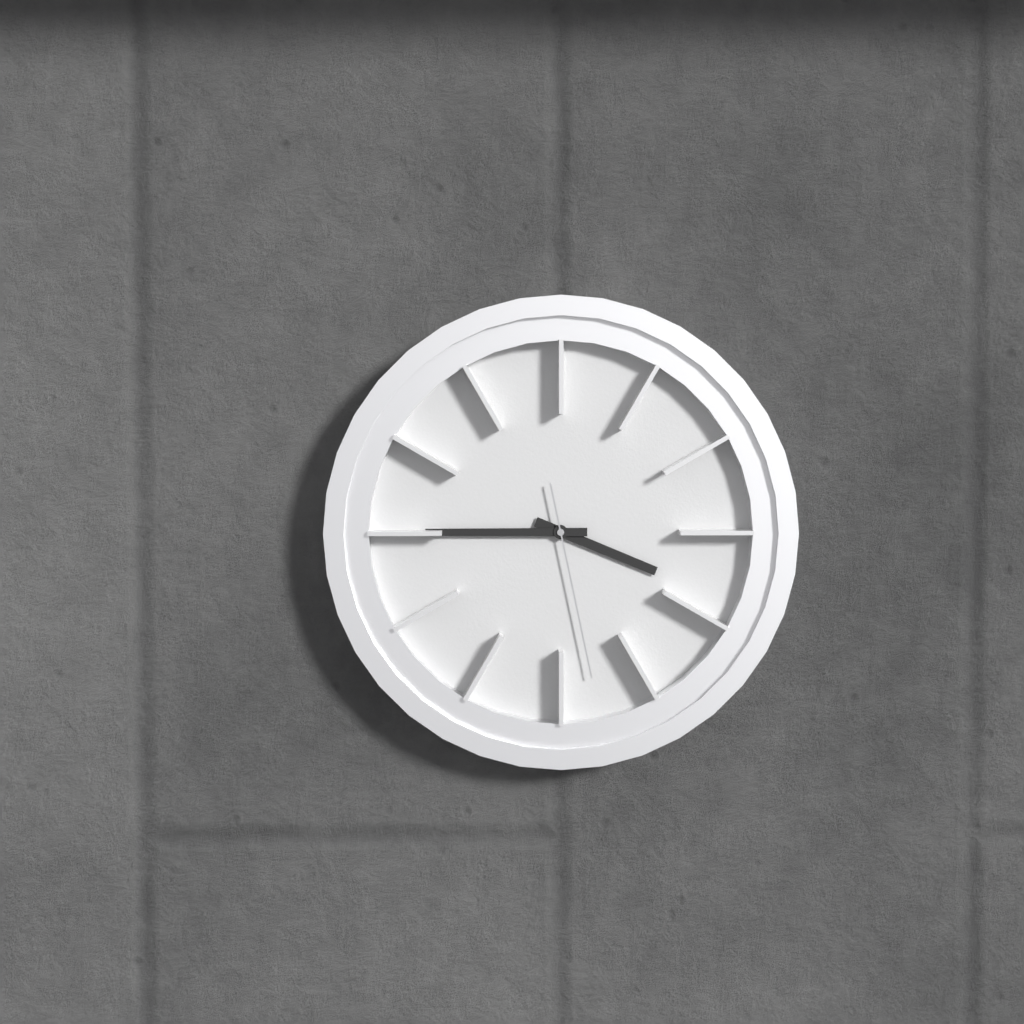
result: 3 h 45 min 28 s
